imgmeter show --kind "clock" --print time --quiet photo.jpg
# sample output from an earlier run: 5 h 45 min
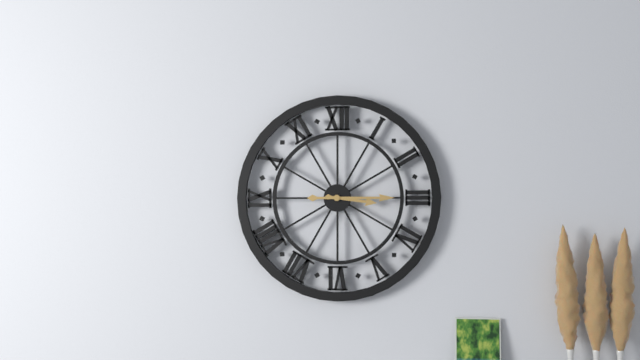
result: 3 h 15 min
